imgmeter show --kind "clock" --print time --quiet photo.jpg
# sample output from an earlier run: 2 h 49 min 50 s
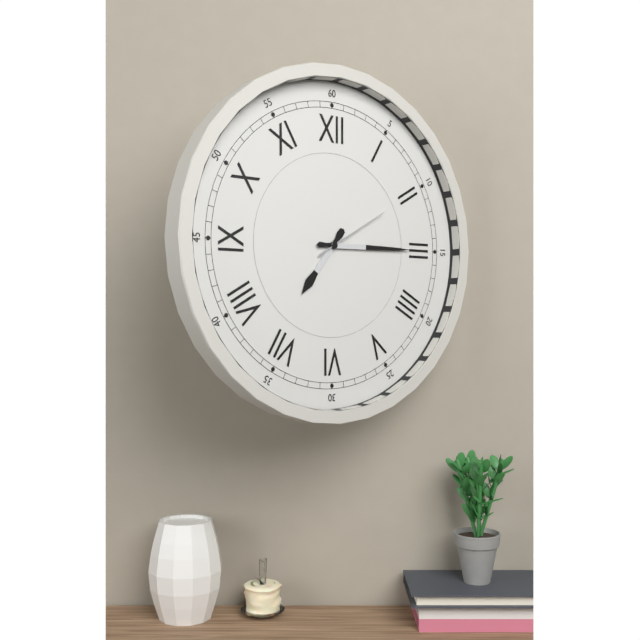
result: 7 h 15 min 10 s
